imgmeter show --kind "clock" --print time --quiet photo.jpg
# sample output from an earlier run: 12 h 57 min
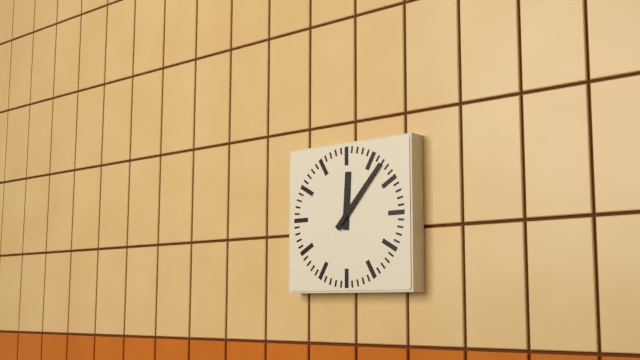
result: 12 h 07 min
